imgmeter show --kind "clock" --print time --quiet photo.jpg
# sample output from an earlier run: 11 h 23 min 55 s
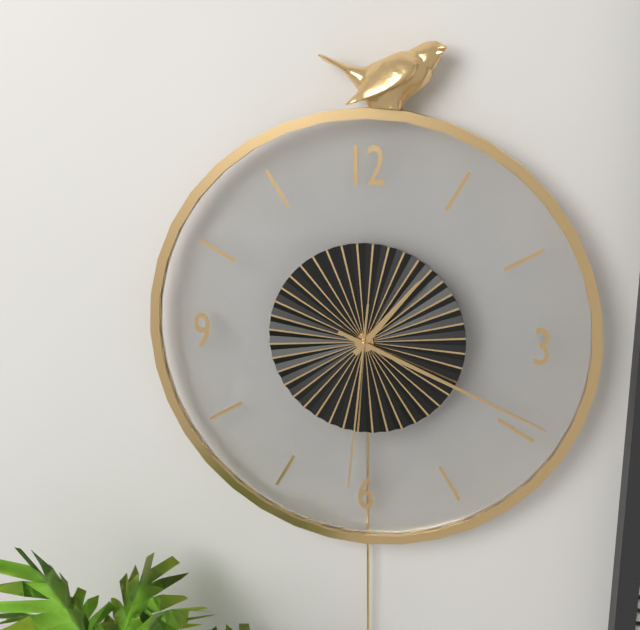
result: 1 h 19 min 31 s
